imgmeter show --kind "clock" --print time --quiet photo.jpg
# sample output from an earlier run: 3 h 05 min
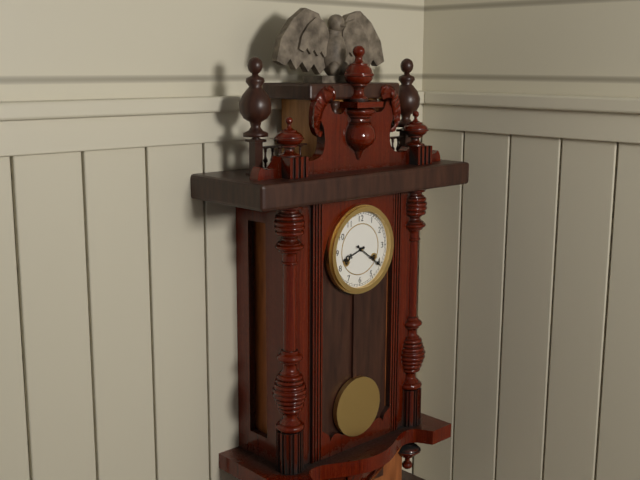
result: 8 h 21 min
